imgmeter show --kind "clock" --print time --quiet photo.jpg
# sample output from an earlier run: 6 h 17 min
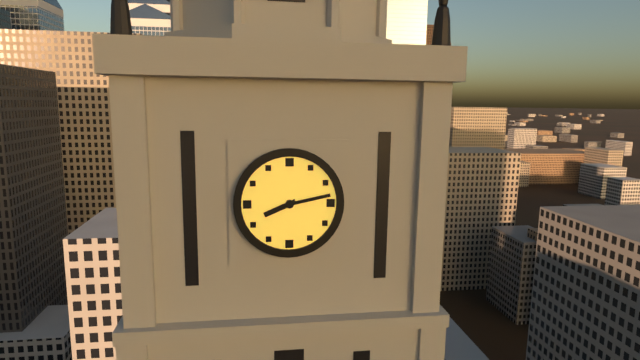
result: 8 h 13 min
